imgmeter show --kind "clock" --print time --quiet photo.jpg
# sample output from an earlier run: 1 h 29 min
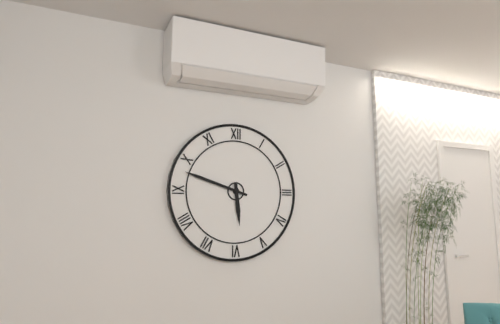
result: 5 h 48 min
